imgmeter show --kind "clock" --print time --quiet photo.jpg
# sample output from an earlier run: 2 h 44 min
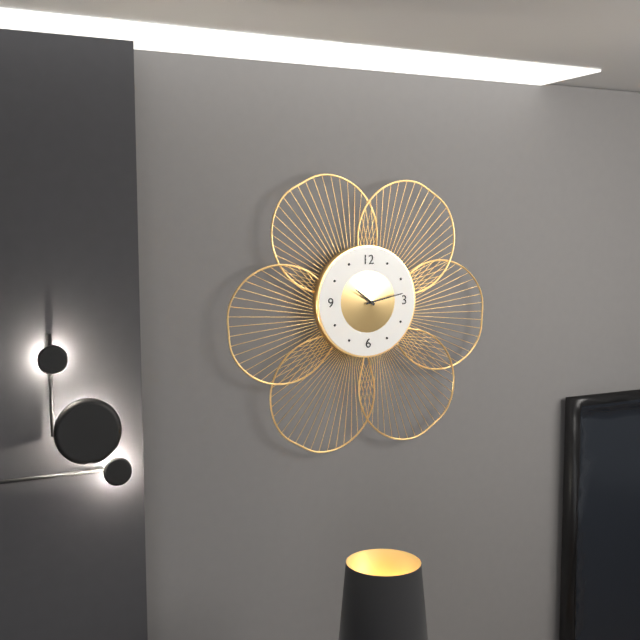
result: 10 h 13 min
